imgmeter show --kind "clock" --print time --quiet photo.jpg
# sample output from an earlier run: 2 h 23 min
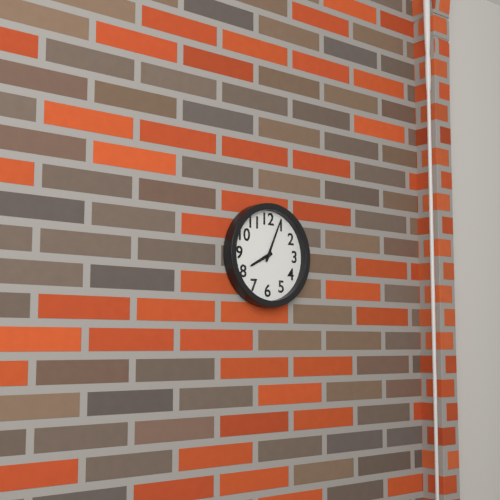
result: 8 h 04 min
